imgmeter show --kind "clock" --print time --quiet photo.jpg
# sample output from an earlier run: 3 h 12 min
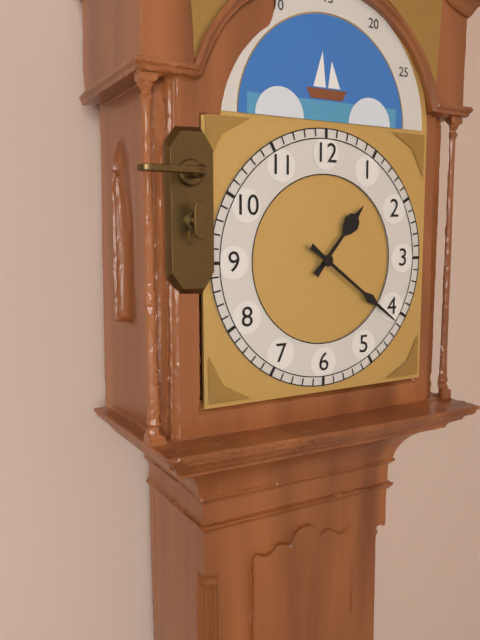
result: 1 h 21 min
